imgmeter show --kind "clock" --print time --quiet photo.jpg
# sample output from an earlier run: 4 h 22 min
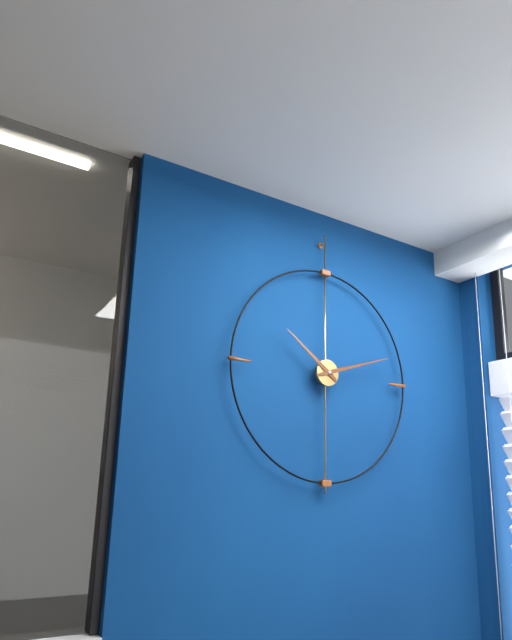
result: 10 h 12 min
